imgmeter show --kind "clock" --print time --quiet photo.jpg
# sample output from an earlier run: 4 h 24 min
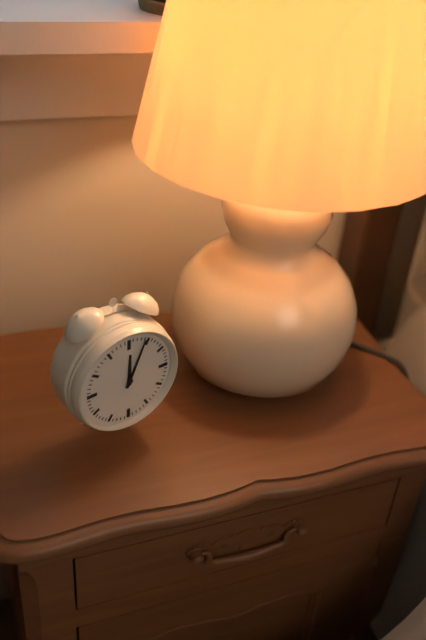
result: 12 h 04 min
